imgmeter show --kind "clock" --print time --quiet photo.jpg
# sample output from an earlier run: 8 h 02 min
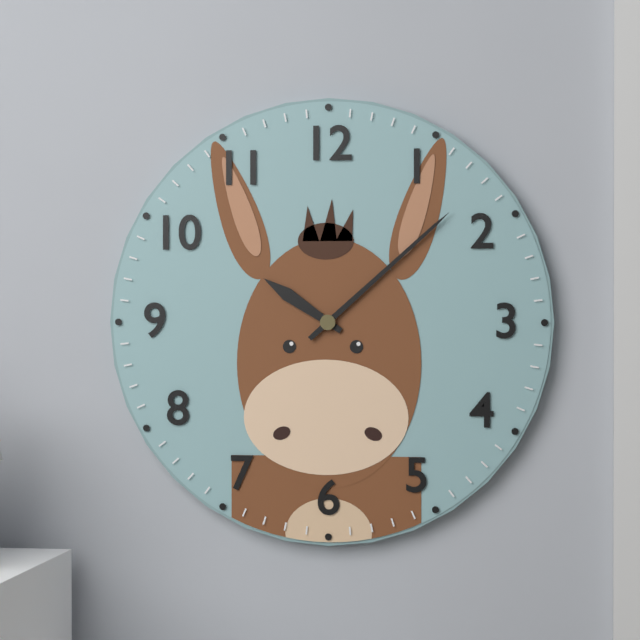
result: 10 h 08 min
